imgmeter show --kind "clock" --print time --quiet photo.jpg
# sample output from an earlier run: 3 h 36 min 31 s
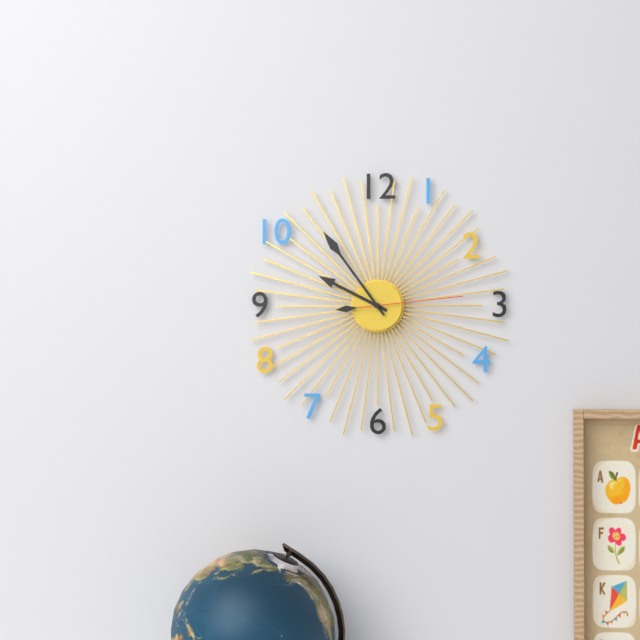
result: 9 h 54 min 14 s
